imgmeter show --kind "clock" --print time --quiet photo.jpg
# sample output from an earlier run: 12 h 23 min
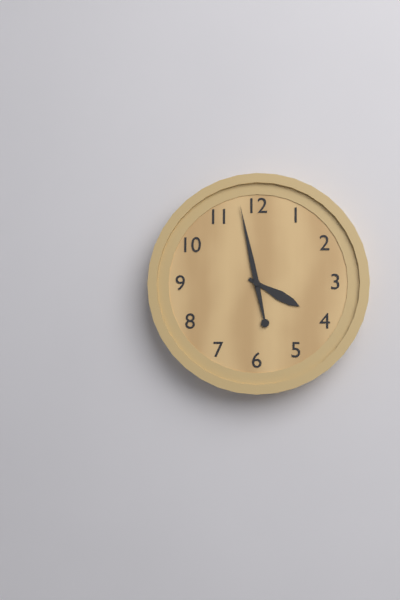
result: 3 h 58 min
